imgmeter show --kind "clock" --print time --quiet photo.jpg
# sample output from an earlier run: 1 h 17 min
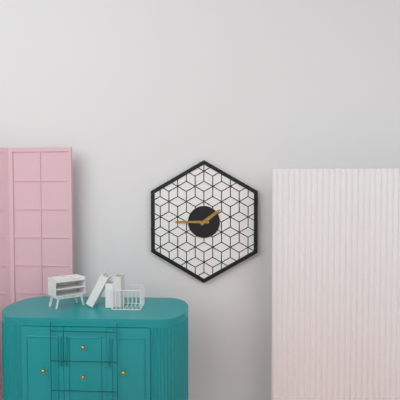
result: 1 h 45 min
